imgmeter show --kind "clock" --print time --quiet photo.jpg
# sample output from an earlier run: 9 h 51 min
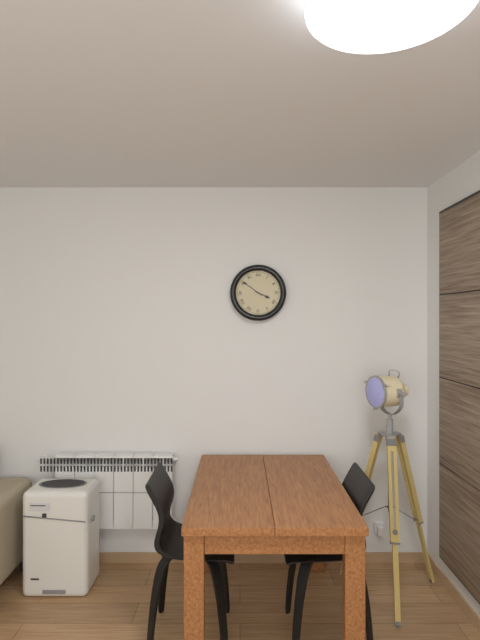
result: 3 h 51 min
